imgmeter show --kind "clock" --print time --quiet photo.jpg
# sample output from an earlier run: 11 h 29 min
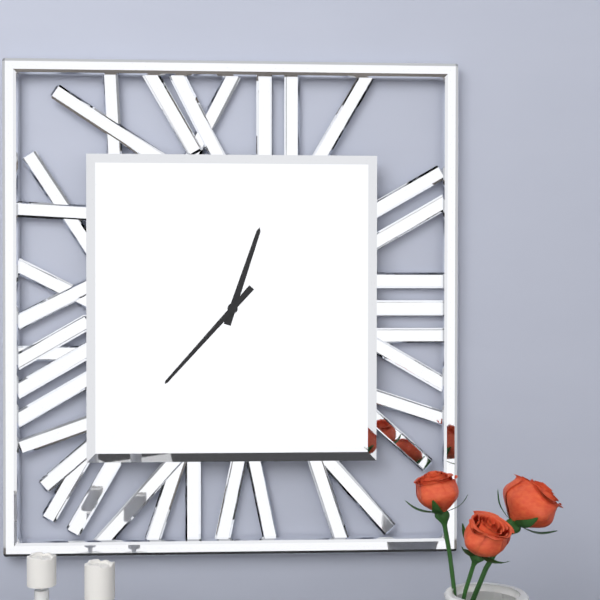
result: 12 h 37 min
